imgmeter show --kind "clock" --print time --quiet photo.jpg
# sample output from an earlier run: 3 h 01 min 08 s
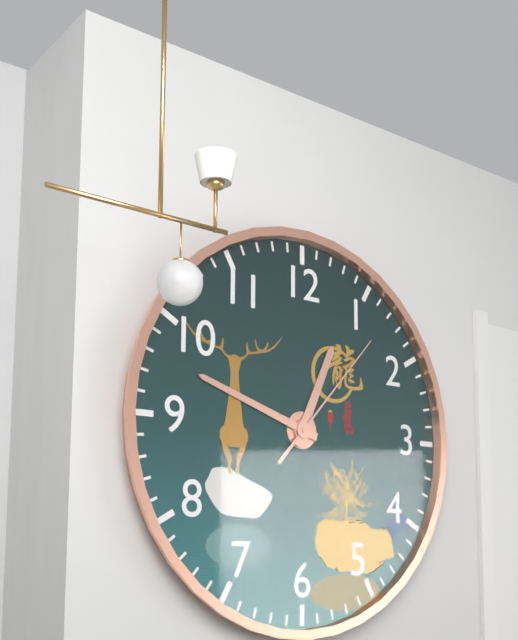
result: 12 h 48 min 07 s
